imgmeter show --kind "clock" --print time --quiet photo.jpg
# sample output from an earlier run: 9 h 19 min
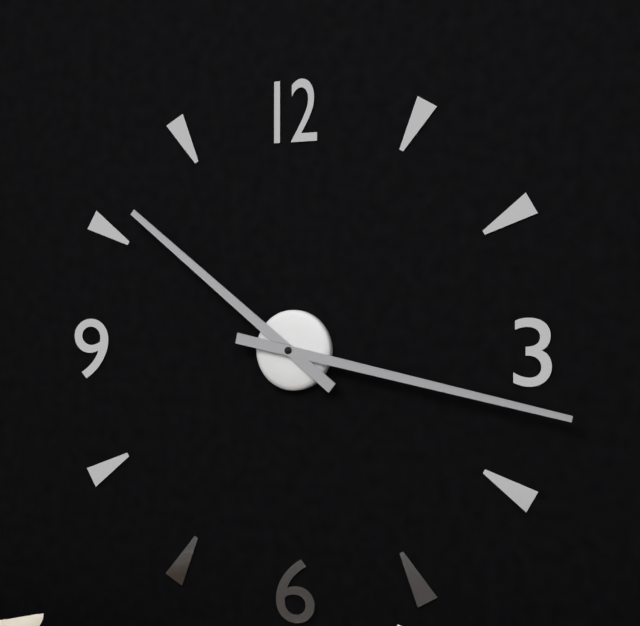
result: 10 h 17 min
